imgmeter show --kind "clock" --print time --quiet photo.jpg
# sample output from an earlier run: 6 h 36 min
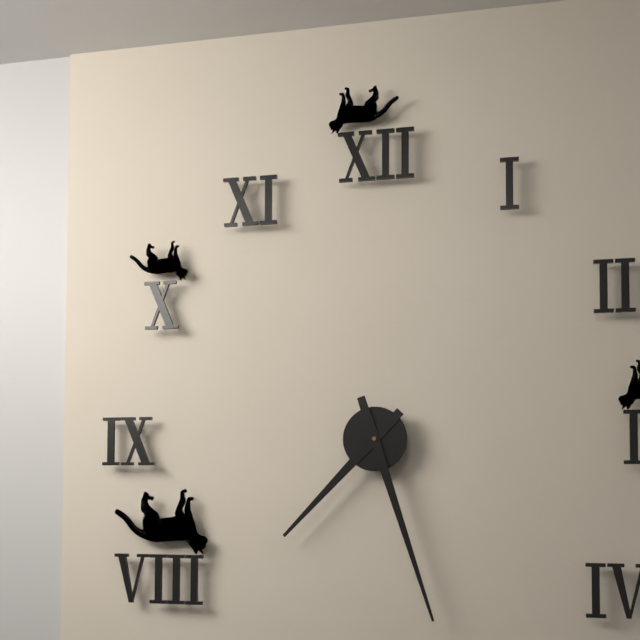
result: 7 h 27 min
